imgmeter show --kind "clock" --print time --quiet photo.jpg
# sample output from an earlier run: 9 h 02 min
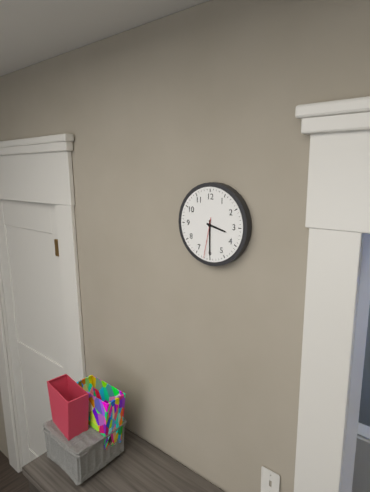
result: 3 h 30 min
